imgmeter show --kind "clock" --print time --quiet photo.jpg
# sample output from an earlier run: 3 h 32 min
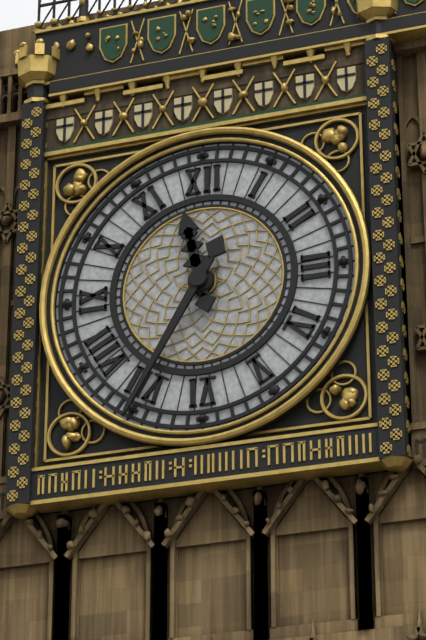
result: 11 h 35 min
